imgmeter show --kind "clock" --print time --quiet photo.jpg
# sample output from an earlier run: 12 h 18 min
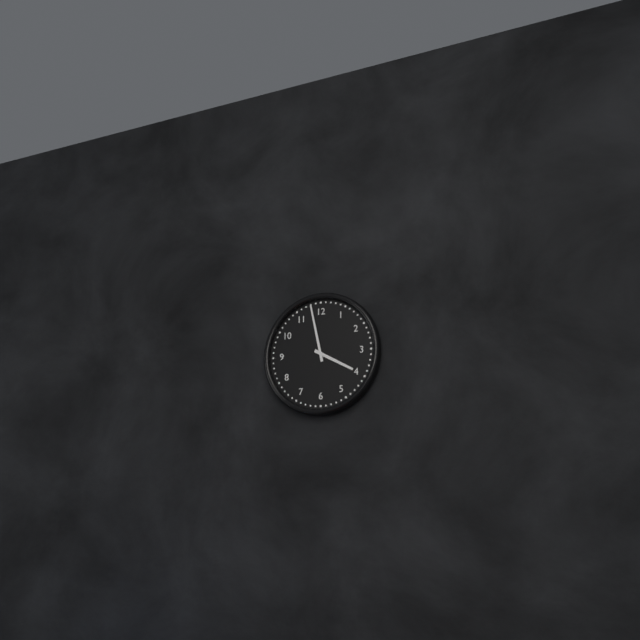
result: 3 h 58 min
